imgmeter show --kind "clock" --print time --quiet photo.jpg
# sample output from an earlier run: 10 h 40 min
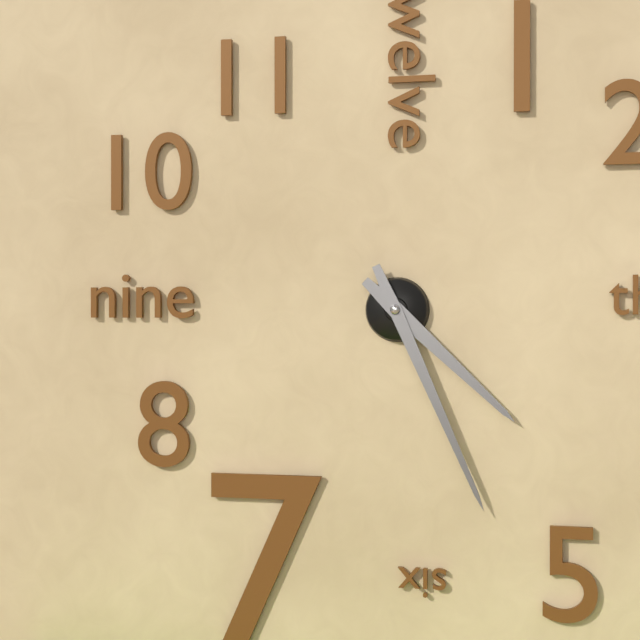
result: 4 h 26 min
